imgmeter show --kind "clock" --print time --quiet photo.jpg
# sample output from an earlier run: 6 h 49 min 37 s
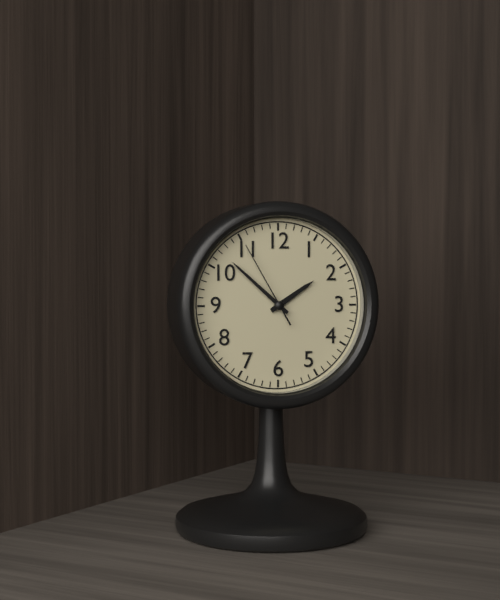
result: 1 h 52 min 55 s
